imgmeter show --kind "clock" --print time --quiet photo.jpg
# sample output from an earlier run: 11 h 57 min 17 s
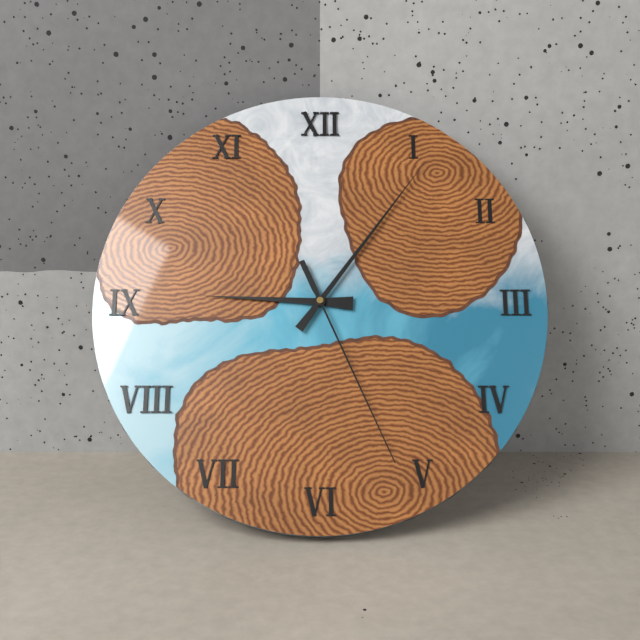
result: 9 h 06 min 26 s
